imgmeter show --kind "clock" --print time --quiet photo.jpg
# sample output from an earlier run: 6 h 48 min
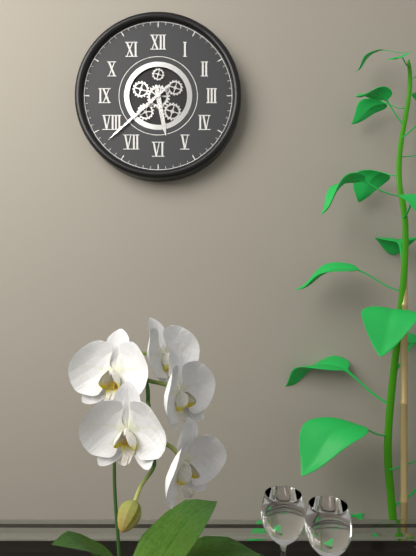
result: 5 h 38 min
